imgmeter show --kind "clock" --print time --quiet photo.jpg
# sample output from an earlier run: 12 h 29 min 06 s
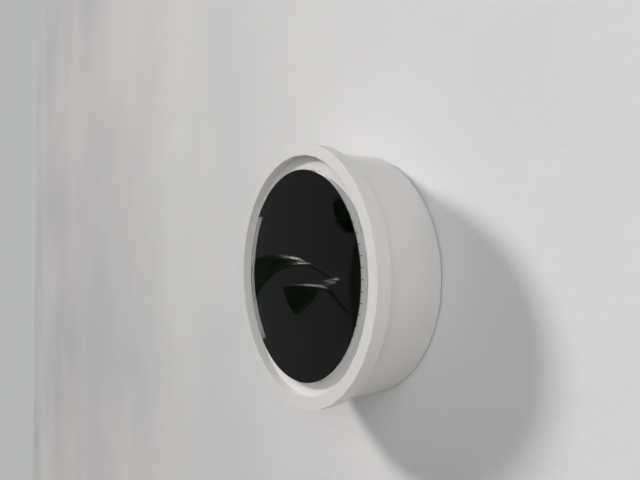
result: 4 h 46 min 02 s
